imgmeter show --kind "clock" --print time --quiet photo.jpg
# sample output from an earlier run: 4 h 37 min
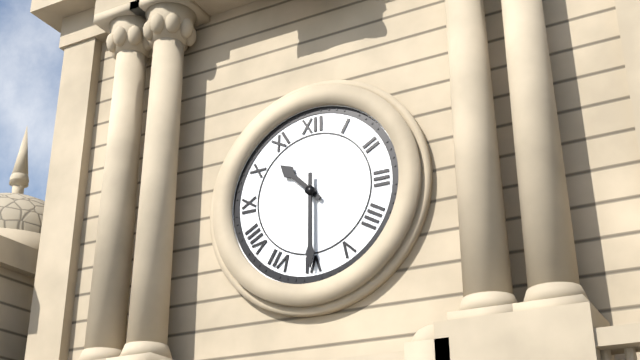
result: 10 h 30 min
